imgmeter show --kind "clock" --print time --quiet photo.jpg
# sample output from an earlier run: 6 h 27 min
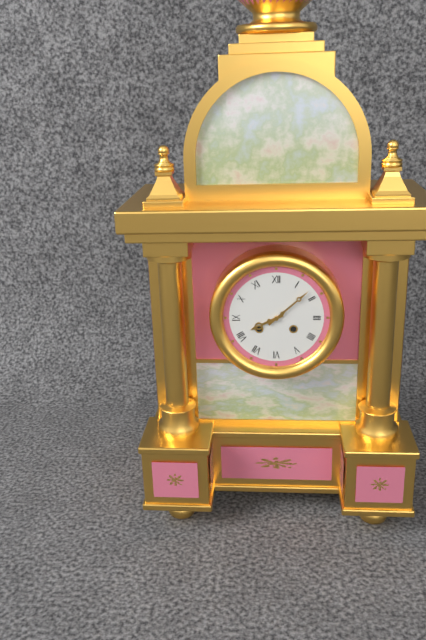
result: 8 h 08 min
